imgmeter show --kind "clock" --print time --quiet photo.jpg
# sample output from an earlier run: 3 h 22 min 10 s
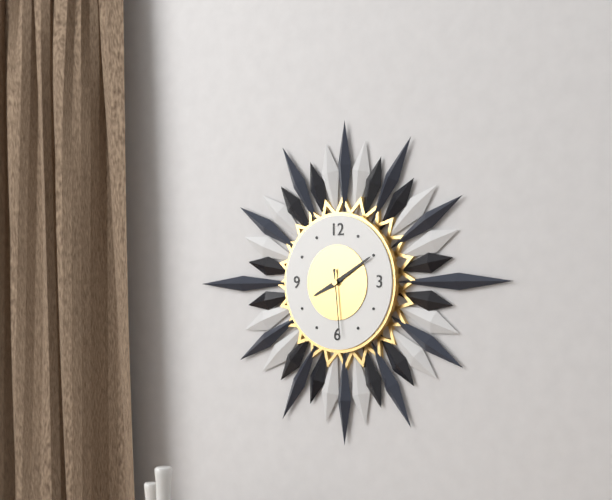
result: 8 h 10 min 29 s
